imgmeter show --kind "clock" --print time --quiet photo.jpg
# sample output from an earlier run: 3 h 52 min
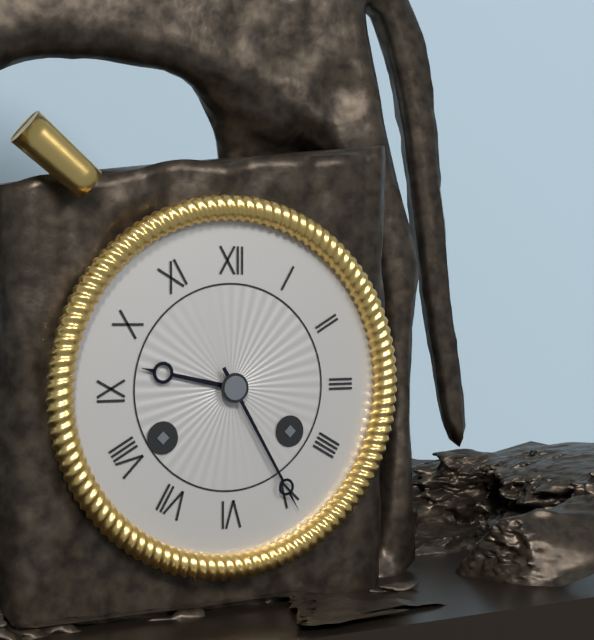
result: 9 h 25 min
